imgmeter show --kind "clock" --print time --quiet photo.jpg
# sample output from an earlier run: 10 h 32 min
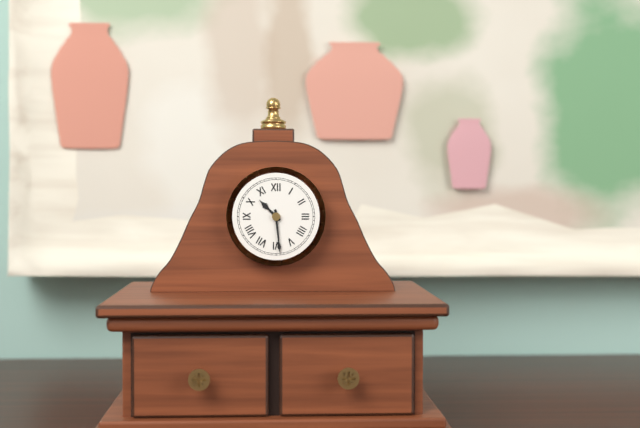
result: 10 h 29 min
